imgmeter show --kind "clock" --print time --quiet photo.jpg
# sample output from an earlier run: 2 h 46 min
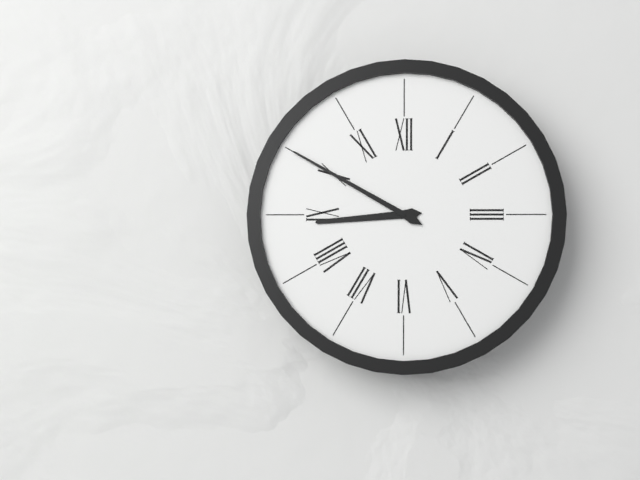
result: 8 h 50 min
